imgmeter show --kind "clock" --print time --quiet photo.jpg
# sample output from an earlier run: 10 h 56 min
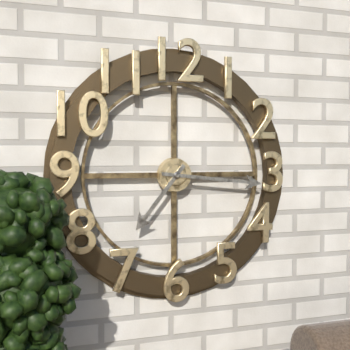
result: 7 h 16 min
